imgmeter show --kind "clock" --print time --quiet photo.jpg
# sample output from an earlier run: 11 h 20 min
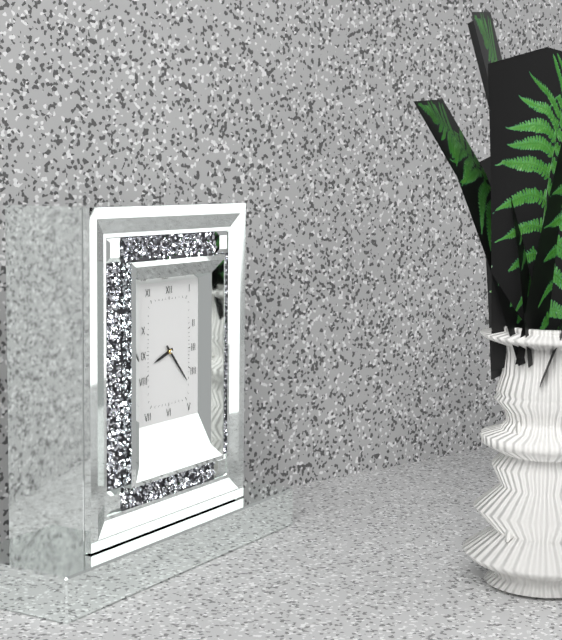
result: 8 h 23 min
